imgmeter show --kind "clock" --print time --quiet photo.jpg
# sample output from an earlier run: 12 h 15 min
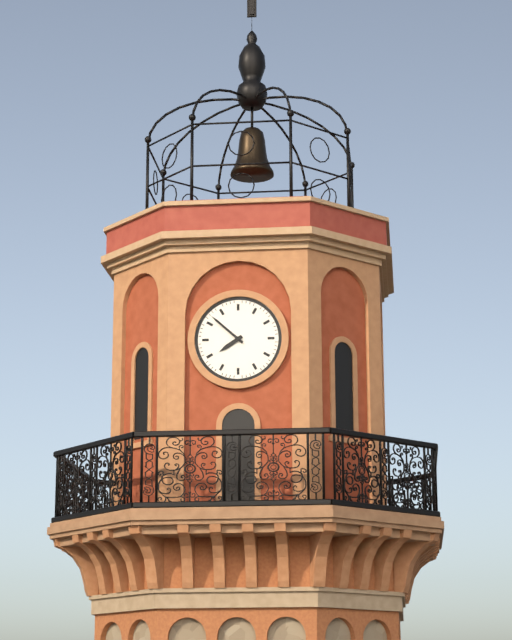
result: 7 h 52 min
